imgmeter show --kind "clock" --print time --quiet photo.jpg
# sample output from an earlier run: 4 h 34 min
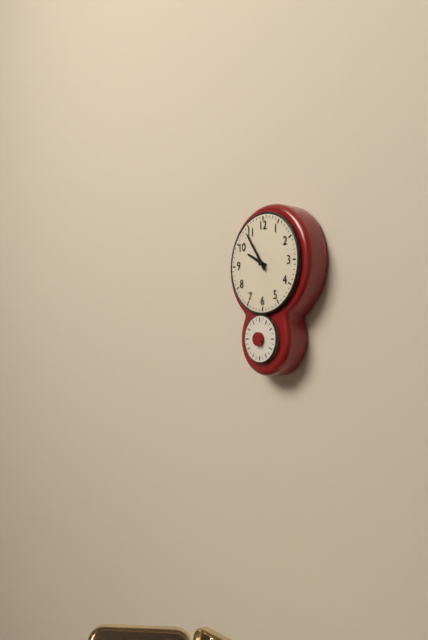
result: 9 h 54 min
